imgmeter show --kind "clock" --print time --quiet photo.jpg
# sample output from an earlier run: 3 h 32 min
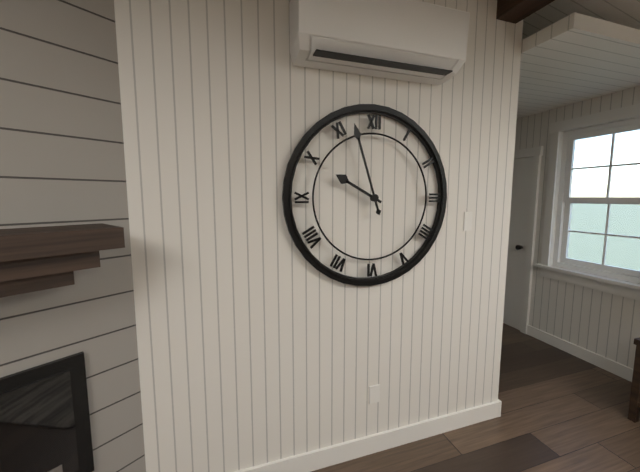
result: 9 h 57 min
